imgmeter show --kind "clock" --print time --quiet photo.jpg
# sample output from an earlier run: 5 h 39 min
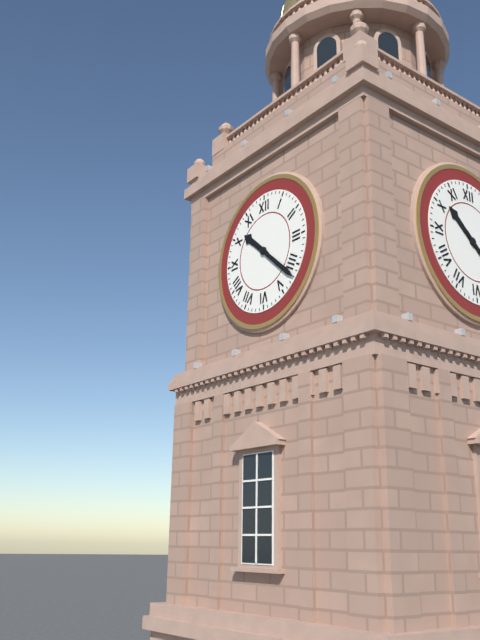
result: 10 h 22 min
